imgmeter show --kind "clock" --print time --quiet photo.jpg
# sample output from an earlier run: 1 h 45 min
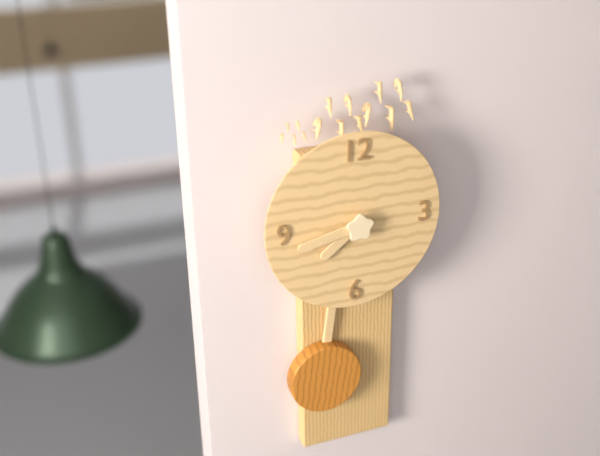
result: 7 h 43 min
